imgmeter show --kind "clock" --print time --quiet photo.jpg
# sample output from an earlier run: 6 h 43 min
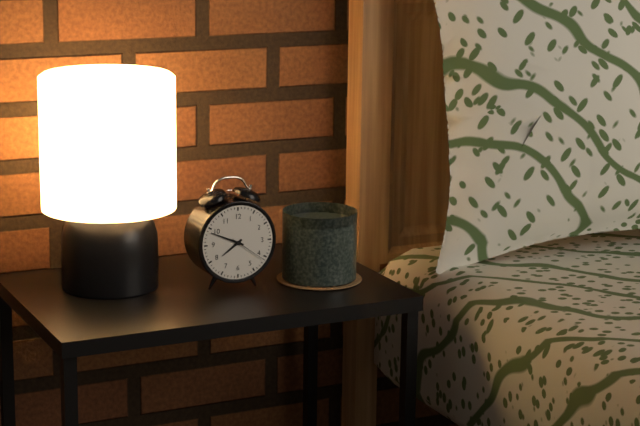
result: 7 h 49 min
